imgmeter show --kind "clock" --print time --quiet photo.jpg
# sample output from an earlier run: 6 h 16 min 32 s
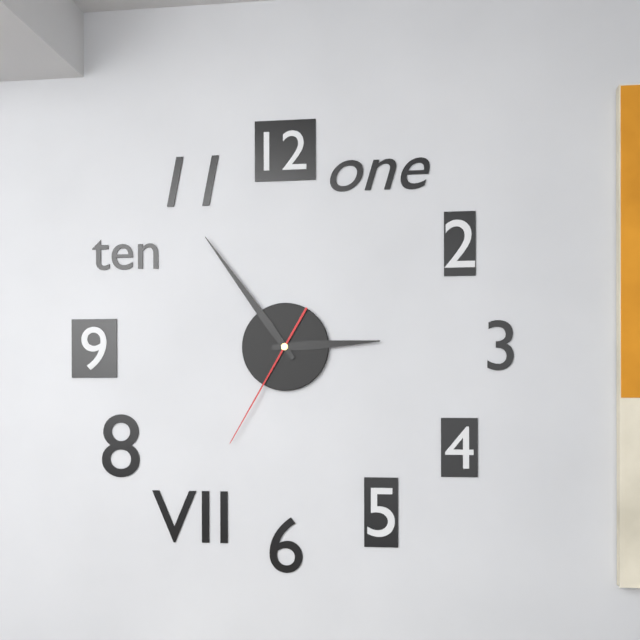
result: 2 h 54 min 35 s
